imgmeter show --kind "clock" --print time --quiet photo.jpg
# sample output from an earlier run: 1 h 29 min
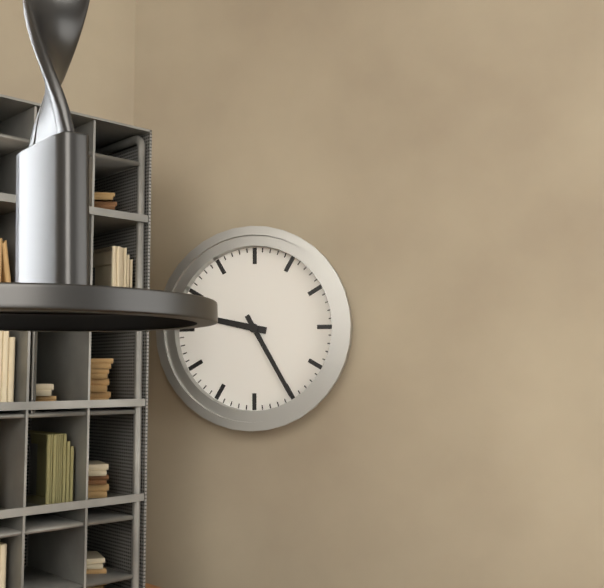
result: 9 h 25 min
